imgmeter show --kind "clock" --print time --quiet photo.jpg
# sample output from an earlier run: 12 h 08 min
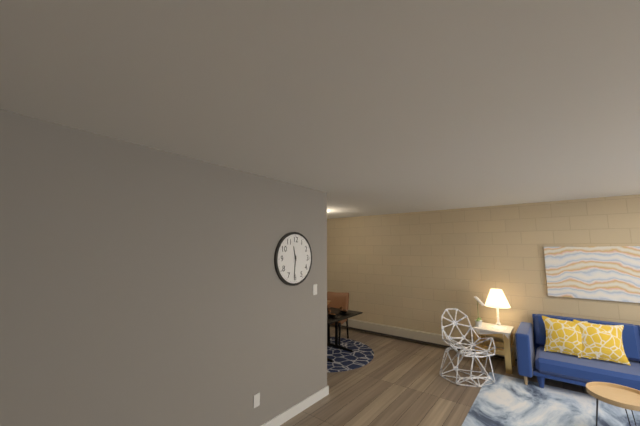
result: 11 h 31 min
